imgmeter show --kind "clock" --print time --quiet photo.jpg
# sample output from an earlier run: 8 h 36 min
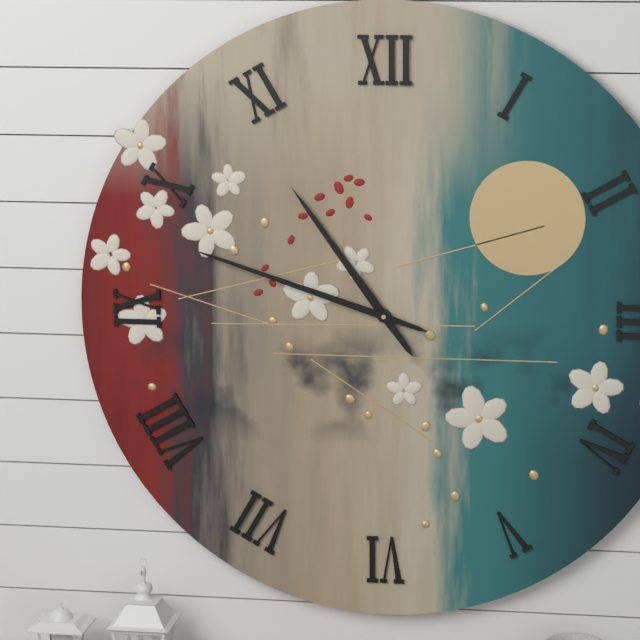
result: 10 h 48 min
